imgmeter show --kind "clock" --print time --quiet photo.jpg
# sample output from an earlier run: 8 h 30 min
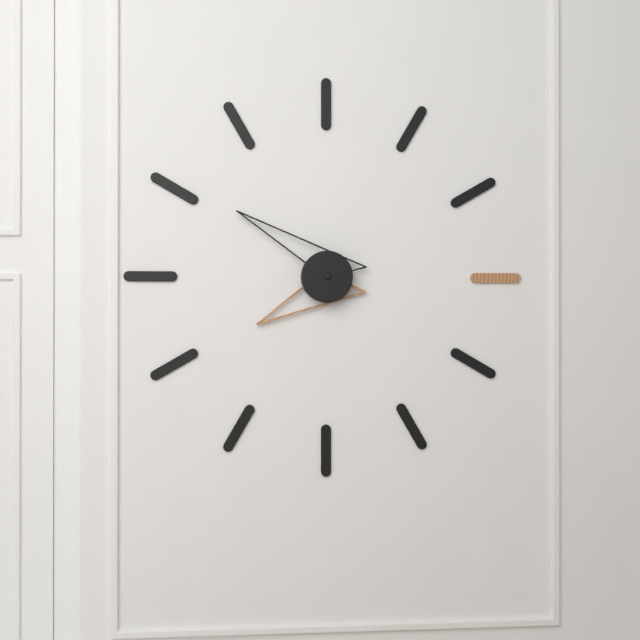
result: 7 h 51 min
